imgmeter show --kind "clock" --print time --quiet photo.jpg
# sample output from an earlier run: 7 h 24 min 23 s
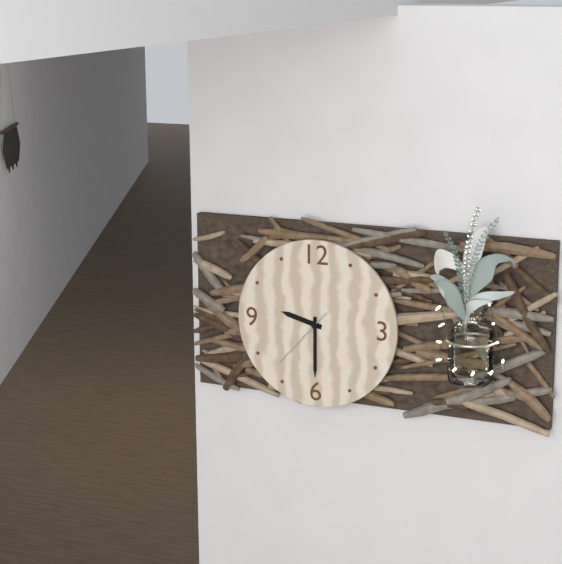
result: 9 h 30 min 37 s
